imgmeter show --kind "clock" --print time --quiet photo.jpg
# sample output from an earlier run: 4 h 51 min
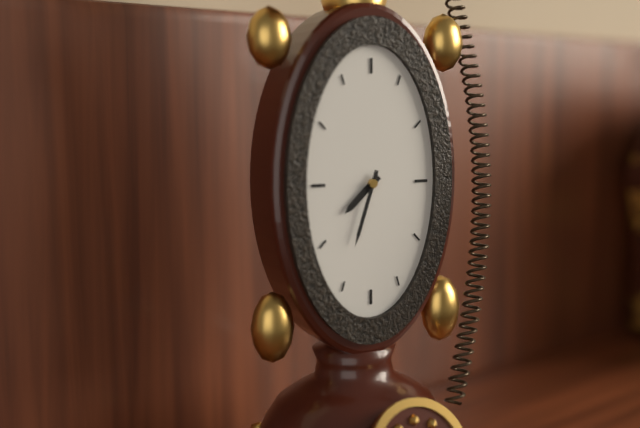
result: 7 h 33 min
